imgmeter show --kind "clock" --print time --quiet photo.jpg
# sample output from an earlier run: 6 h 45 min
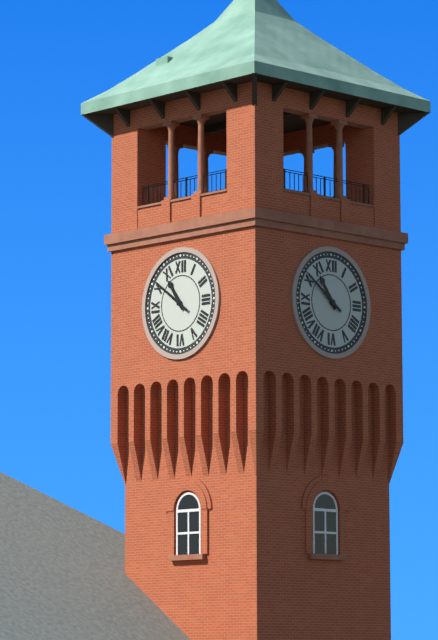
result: 10 h 51 min
